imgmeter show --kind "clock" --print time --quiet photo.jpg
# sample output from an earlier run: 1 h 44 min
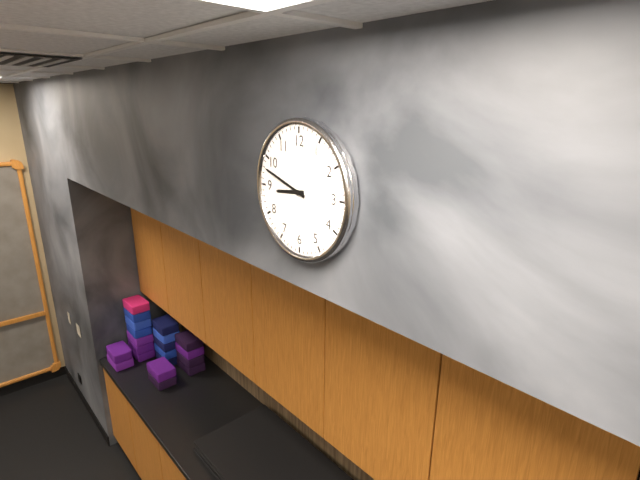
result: 8 h 48 min
